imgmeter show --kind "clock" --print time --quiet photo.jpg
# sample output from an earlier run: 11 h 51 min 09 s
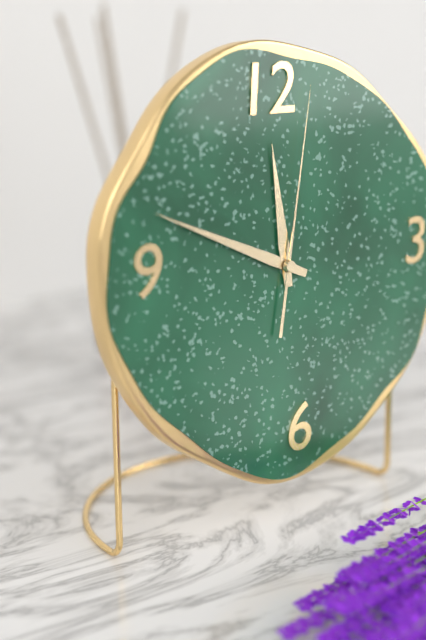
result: 11 h 49 min 02 s
